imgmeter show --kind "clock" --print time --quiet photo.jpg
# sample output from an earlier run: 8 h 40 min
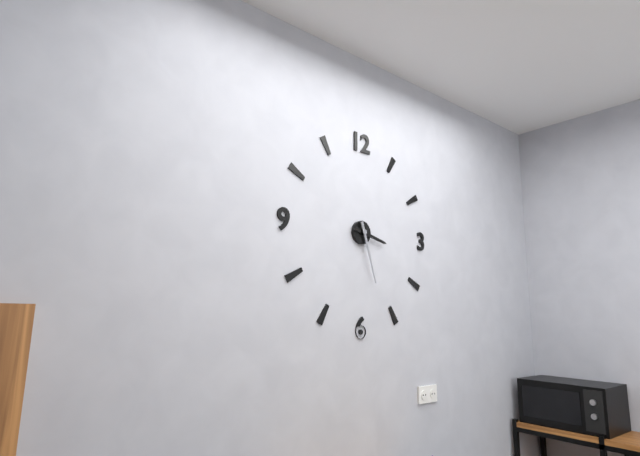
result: 3 h 27 min
